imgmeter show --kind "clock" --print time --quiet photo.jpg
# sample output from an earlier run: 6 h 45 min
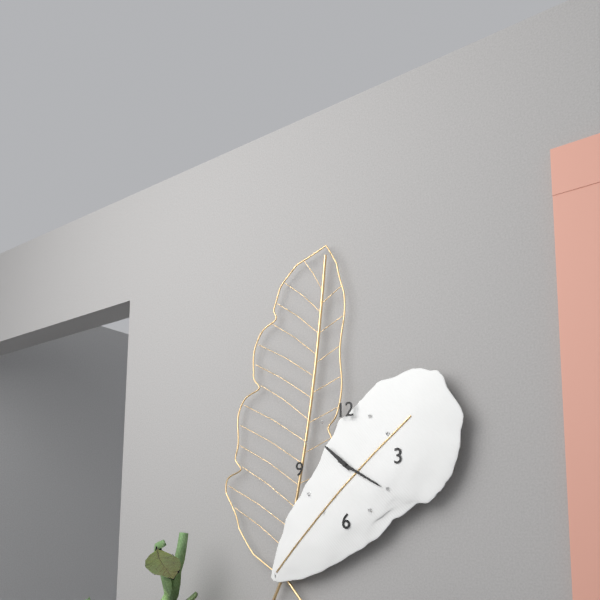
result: 10 h 20 min
